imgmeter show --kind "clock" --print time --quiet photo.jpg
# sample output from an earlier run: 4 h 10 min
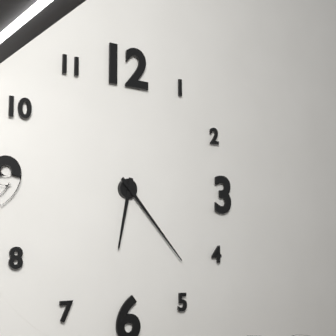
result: 6 h 23 min
